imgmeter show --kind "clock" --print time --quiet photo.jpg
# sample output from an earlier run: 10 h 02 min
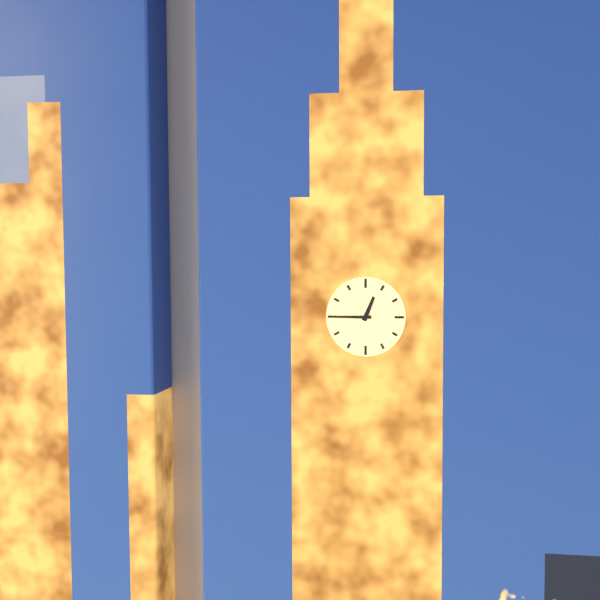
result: 12 h 45 min
